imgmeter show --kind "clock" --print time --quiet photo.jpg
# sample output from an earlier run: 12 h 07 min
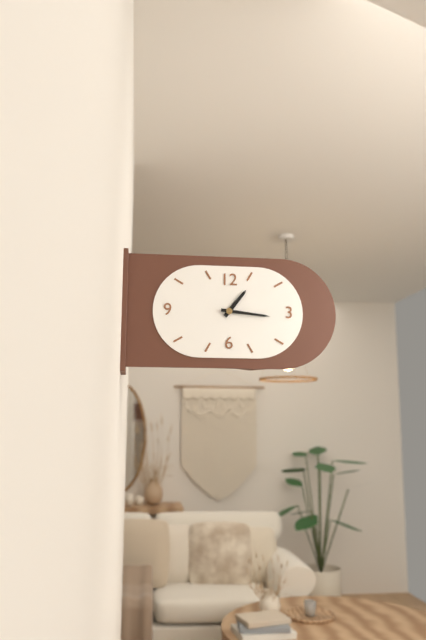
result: 1 h 16 min
